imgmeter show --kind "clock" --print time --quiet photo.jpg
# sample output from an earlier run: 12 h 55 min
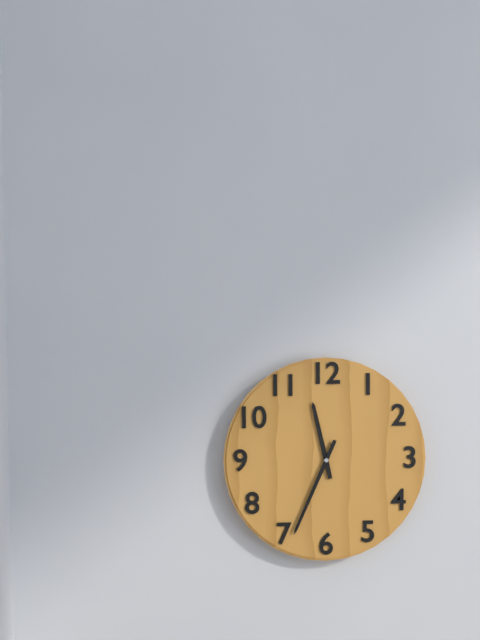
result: 11 h 34 min
